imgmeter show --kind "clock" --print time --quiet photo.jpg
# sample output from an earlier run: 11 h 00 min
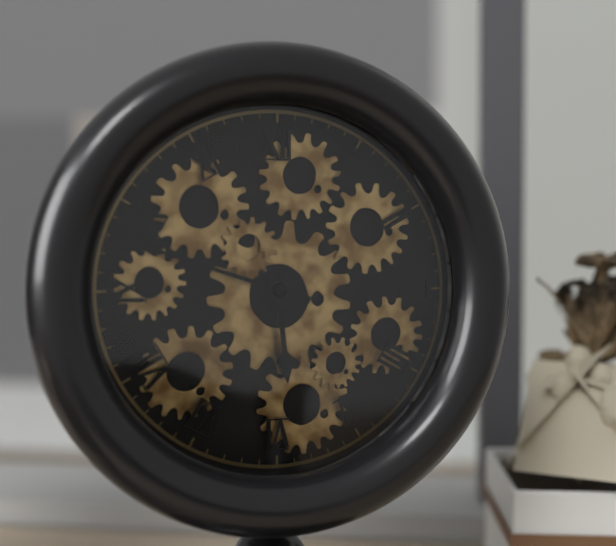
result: 5 h 48 min
